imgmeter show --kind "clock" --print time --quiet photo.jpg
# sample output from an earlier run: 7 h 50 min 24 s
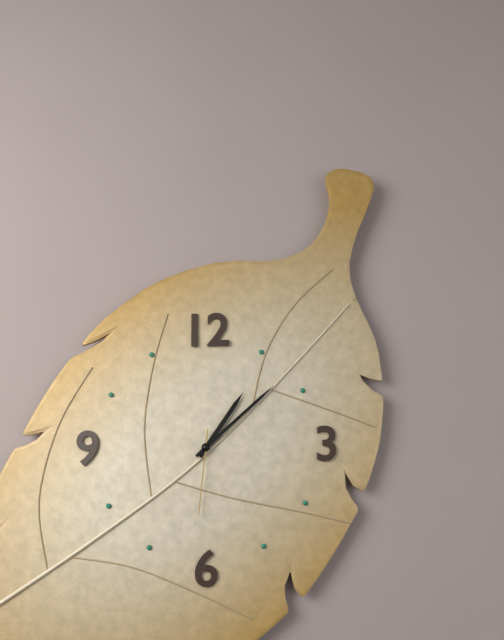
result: 1 h 08 min 31 s
